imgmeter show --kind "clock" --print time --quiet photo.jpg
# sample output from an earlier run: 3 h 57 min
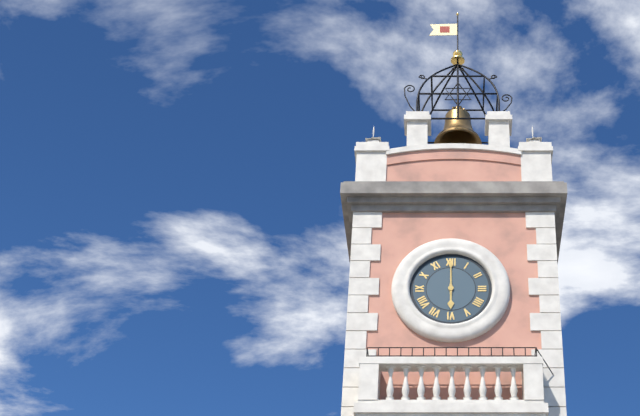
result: 6 h 00 min
